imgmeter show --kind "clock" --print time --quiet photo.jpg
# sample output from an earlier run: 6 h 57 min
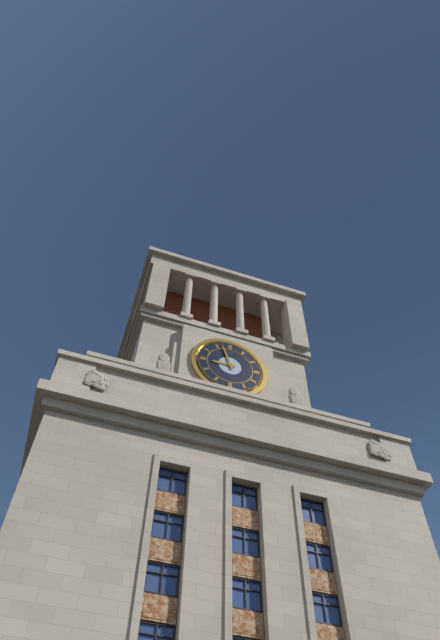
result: 8 h 57 min
